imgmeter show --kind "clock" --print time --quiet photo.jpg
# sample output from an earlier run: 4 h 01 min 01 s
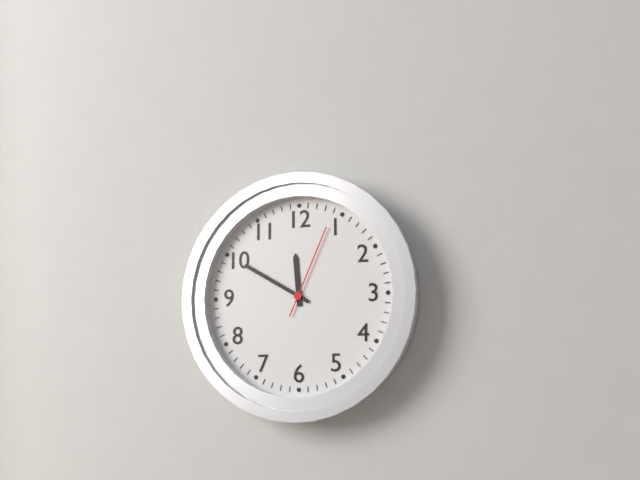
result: 11 h 50 min 04 s
